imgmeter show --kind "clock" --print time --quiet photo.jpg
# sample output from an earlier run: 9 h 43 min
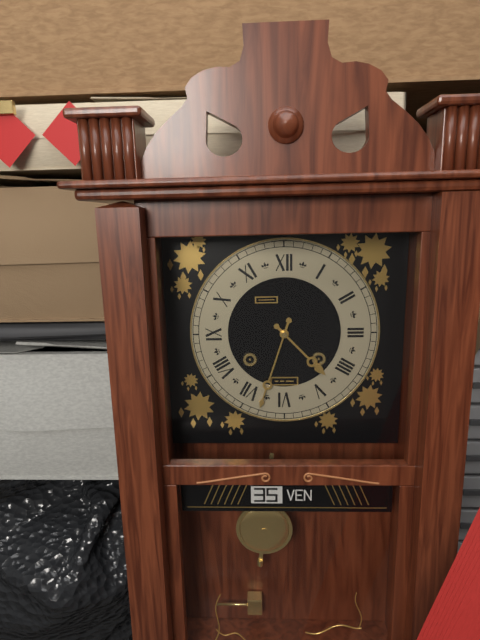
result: 4 h 33 min
